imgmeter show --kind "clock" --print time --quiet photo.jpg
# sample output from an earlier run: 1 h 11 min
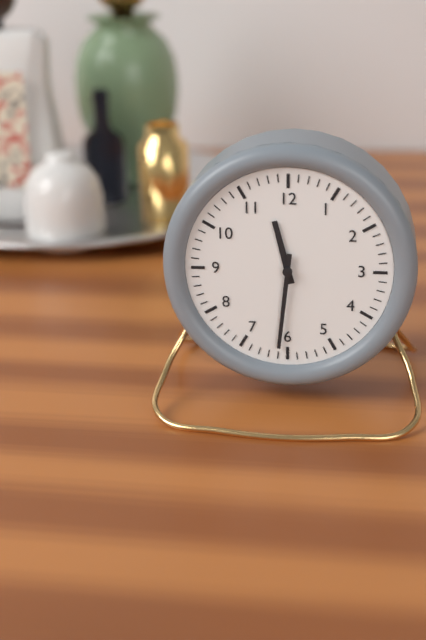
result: 11 h 31 min
